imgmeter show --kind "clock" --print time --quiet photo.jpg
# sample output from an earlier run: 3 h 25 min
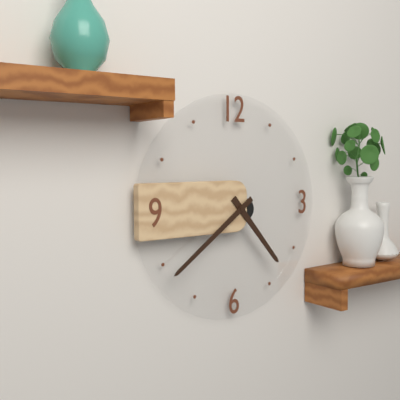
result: 4 h 39 min
